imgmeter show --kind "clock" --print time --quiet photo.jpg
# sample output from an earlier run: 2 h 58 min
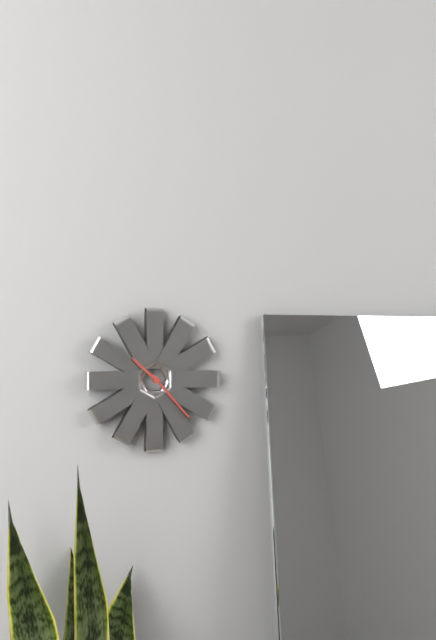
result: 10 h 23 min
